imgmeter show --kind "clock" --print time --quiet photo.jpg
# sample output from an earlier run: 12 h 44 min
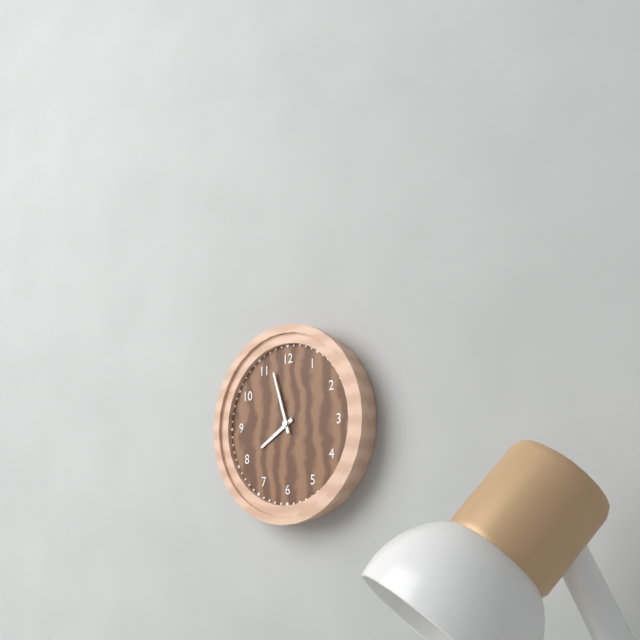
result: 7 h 57 min
